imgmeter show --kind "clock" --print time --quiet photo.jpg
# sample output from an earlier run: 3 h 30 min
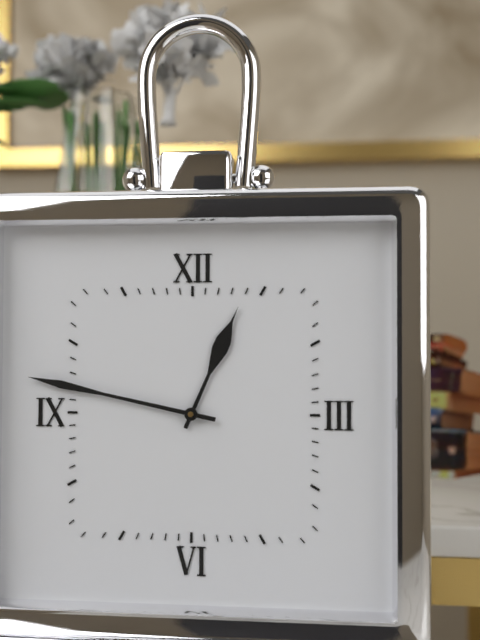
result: 12 h 47 min
